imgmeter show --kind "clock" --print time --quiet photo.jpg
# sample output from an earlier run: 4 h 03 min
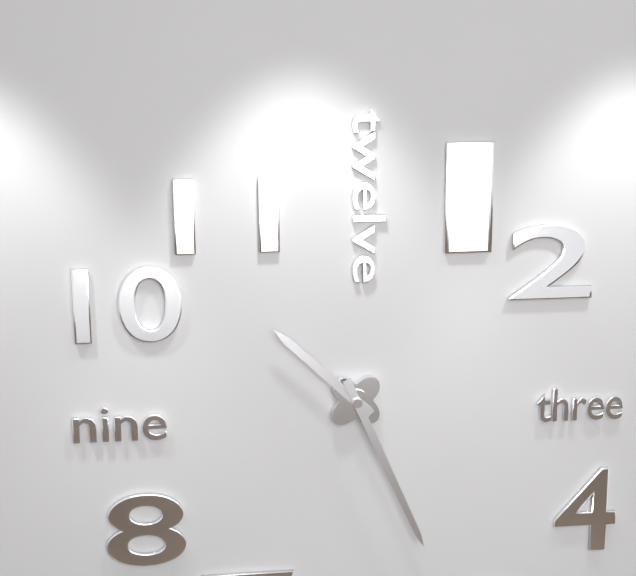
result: 10 h 26 min
